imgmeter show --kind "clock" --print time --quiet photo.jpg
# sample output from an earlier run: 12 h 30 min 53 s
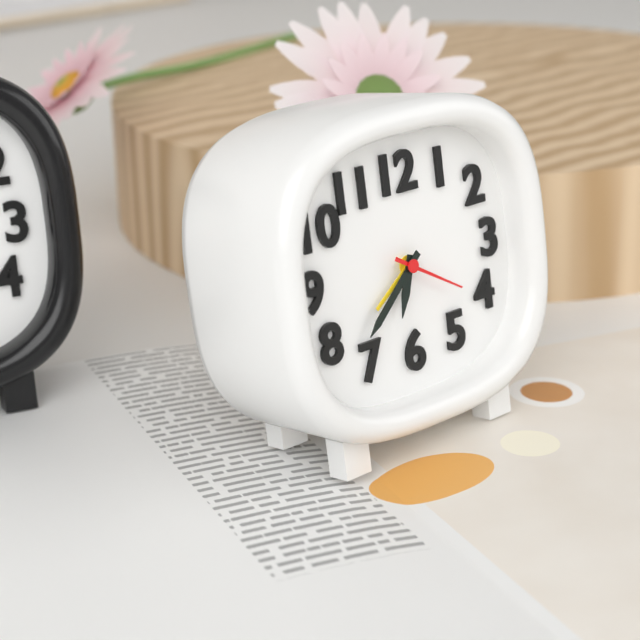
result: 6 h 38 min 20 s
